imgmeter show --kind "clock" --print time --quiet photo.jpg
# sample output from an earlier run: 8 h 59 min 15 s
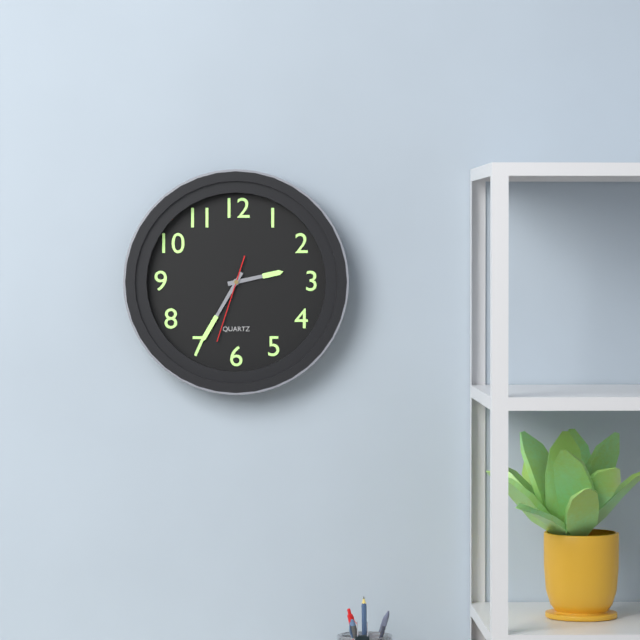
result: 2 h 35 min 33 s
